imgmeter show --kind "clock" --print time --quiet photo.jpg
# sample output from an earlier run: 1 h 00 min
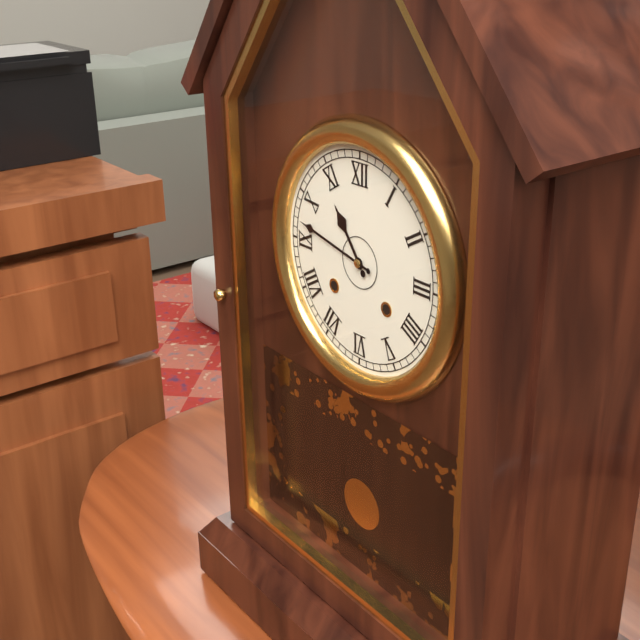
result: 10 h 47 min
